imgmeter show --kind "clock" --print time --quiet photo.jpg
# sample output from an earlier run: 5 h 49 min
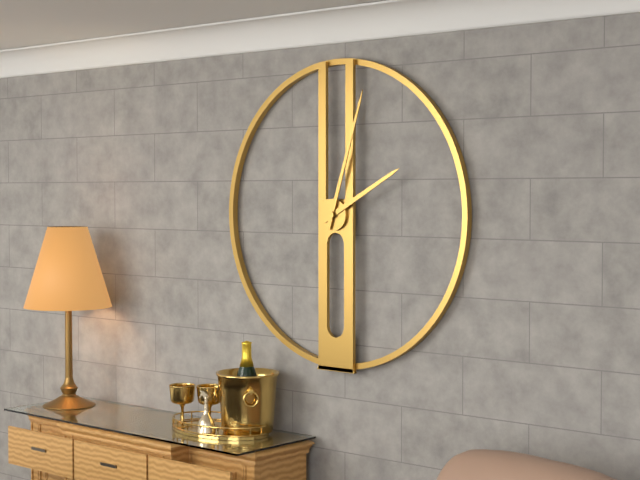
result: 2 h 03 min
